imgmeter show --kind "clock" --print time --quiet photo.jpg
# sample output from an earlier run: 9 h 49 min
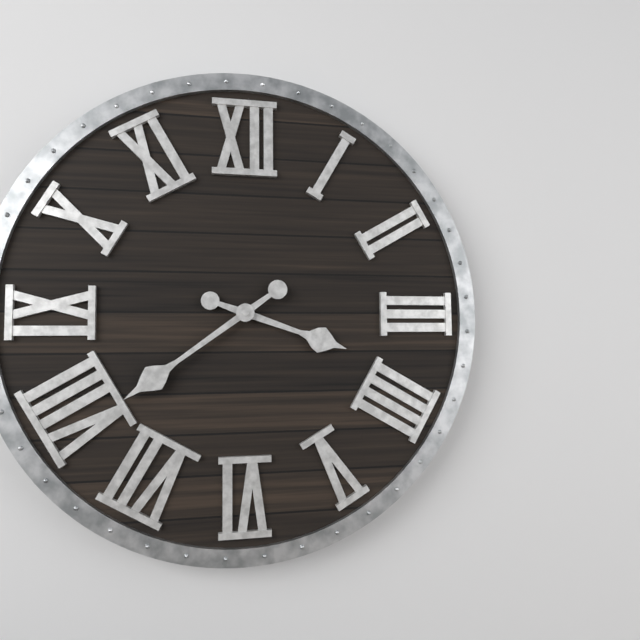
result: 3 h 39 min
